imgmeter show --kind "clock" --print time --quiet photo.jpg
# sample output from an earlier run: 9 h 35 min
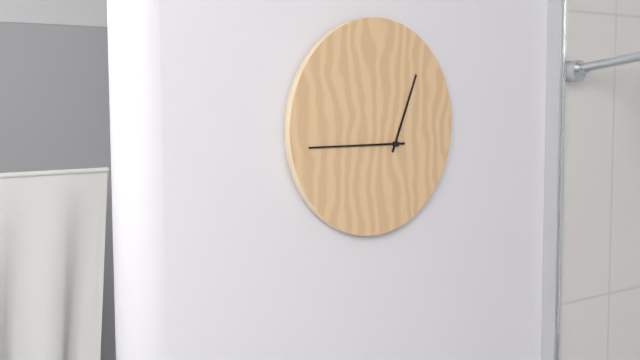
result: 12 h 45 min
